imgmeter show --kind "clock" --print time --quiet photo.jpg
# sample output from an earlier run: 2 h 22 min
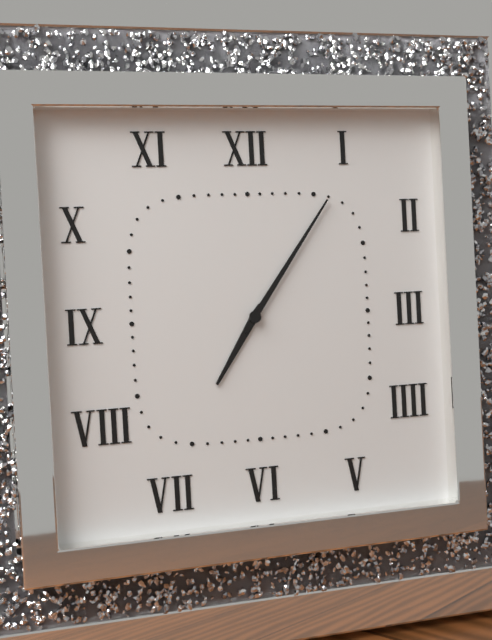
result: 7 h 06 min
